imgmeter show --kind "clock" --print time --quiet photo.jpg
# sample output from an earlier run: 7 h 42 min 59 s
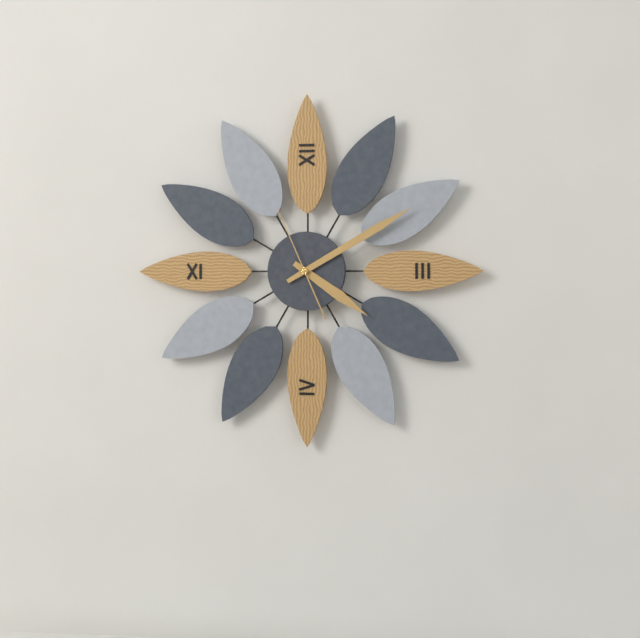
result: 4 h 10 min 56 s
